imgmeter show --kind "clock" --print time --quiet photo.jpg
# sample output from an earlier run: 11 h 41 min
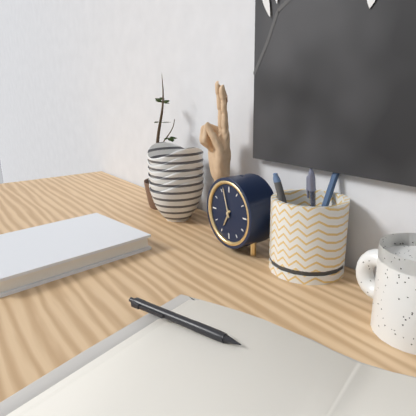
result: 6 h 57 min
